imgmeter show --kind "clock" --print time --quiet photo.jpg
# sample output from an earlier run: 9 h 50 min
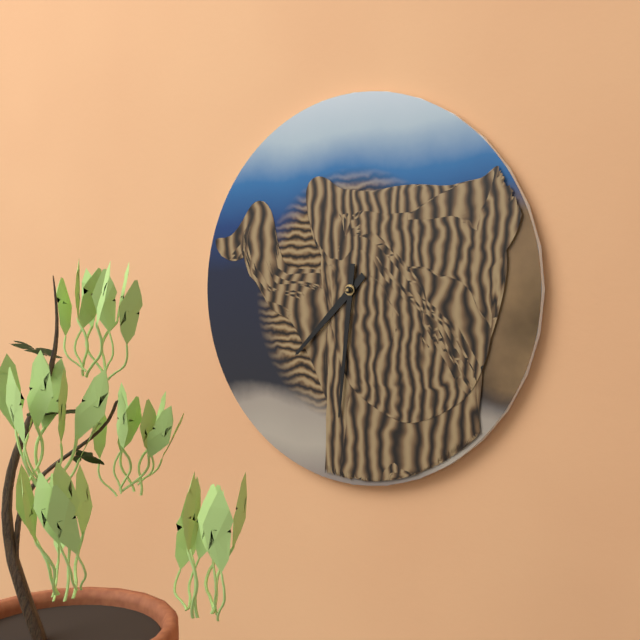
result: 7 h 31 min
